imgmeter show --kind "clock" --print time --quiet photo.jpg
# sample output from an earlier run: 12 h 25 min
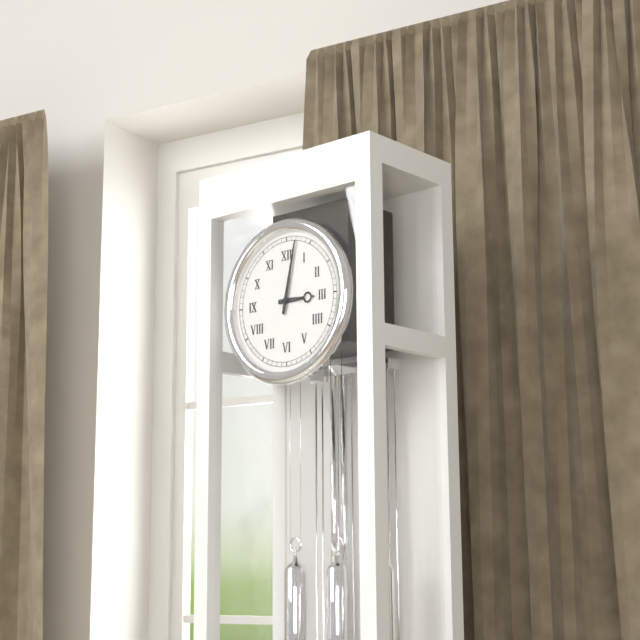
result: 3 h 02 min
